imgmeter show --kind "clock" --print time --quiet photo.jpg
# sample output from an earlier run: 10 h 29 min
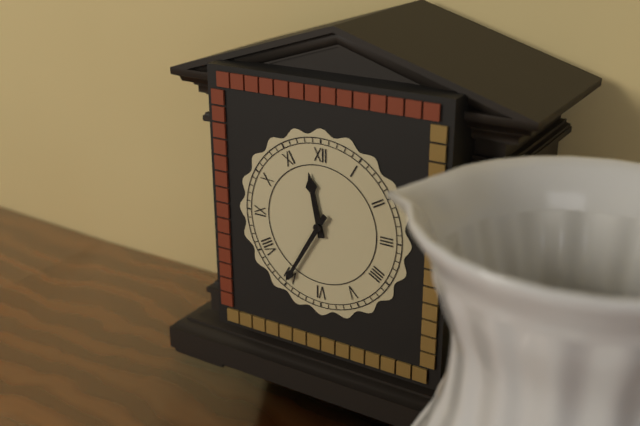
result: 11 h 35 min
